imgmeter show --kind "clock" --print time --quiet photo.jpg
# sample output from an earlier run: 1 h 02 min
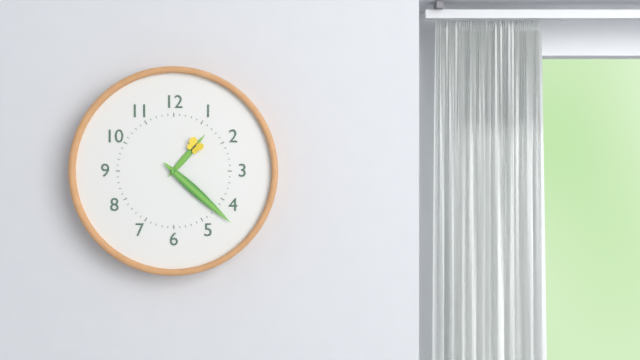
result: 1 h 22 min
